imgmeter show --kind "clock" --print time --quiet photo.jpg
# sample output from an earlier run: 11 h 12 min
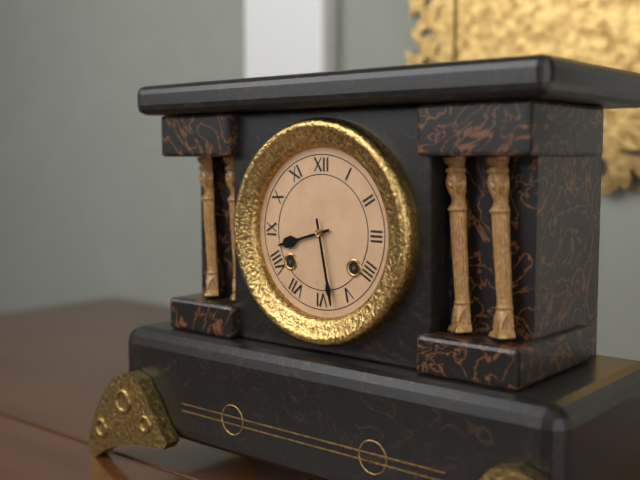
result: 8 h 28 min
